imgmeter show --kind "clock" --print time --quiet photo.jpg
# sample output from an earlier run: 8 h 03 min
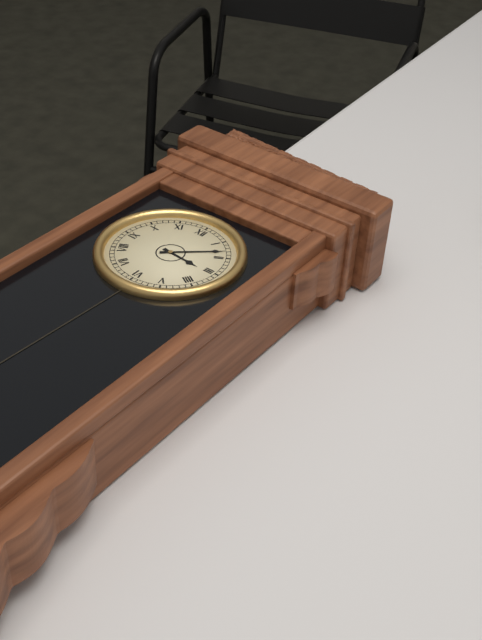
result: 3 h 08 min
